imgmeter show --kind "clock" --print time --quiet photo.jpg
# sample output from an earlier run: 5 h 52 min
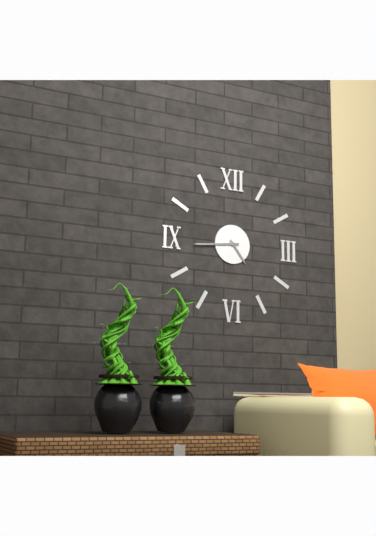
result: 4 h 44 min
